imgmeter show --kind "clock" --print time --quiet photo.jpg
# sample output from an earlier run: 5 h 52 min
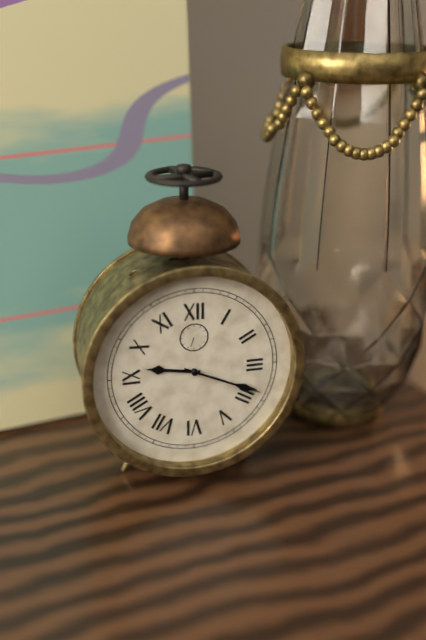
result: 9 h 19 min
